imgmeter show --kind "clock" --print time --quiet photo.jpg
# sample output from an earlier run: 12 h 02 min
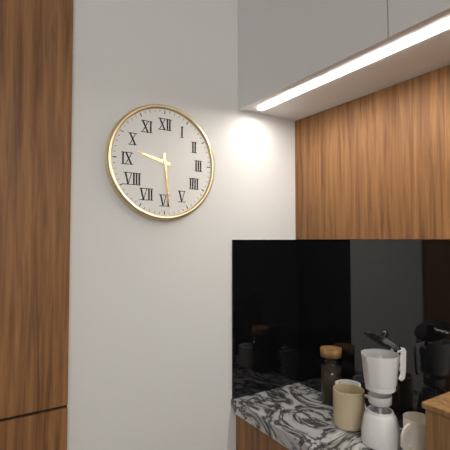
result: 9 h 29 min
